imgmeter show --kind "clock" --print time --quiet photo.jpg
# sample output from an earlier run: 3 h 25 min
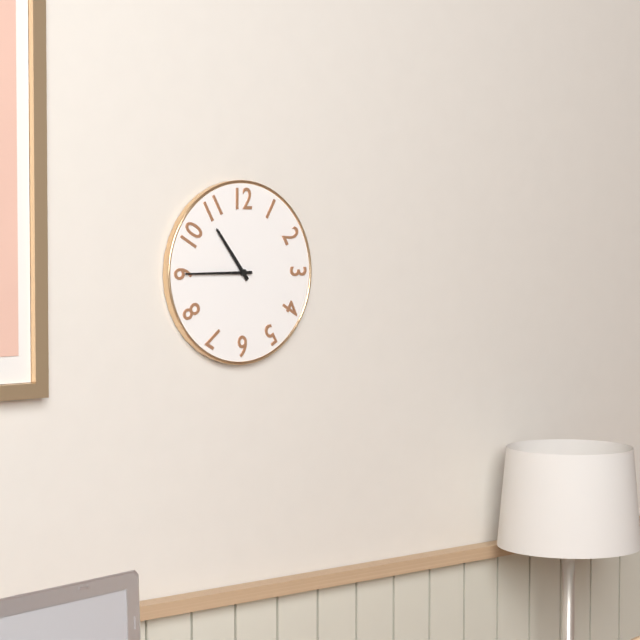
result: 10 h 45 min
